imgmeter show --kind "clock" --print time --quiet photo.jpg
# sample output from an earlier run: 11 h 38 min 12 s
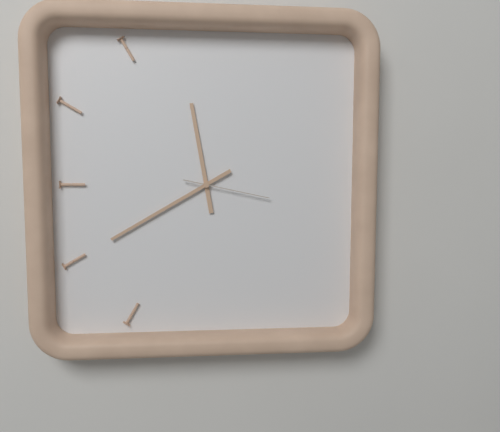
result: 11 h 40 min 17 s
